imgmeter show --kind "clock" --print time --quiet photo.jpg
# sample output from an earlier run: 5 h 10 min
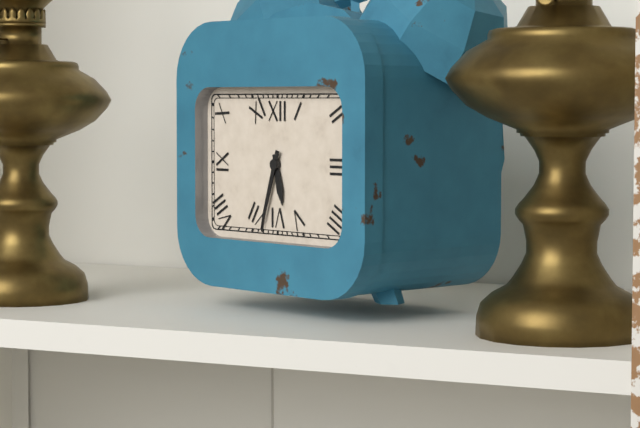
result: 5 h 33 min
